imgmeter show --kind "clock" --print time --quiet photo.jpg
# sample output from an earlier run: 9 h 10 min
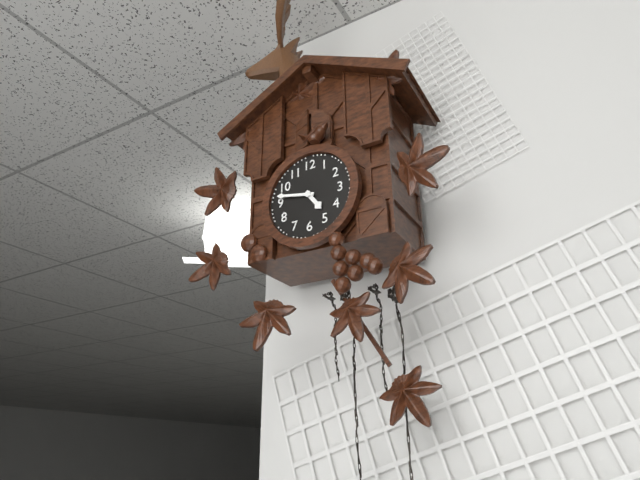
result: 4 h 47 min
